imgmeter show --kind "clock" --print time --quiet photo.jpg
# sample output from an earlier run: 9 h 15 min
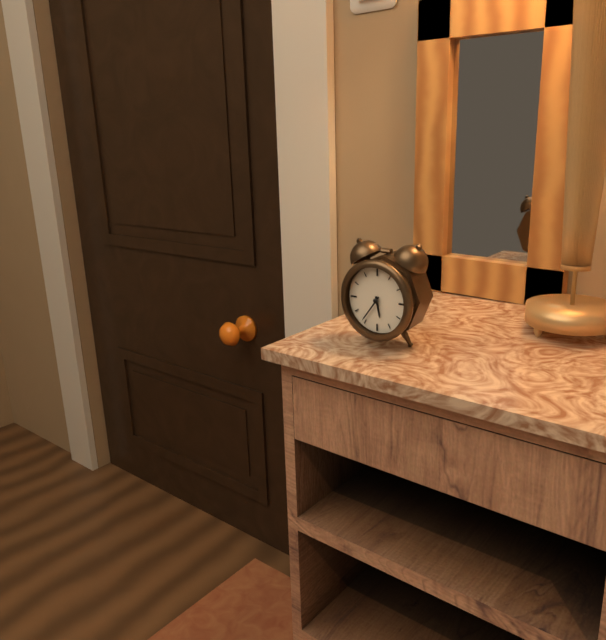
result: 5 h 36 min
